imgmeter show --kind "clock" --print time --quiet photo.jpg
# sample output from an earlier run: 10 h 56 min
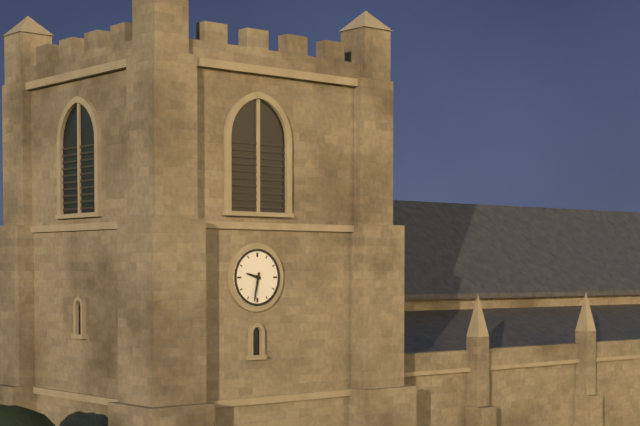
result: 9 h 32 min
